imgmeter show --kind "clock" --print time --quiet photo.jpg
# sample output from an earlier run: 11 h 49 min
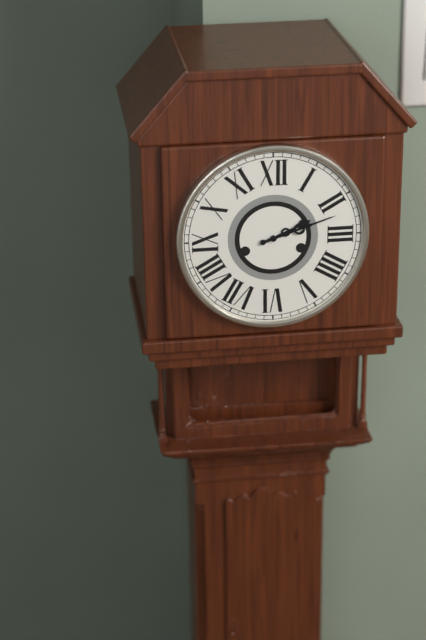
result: 2 h 12 min
